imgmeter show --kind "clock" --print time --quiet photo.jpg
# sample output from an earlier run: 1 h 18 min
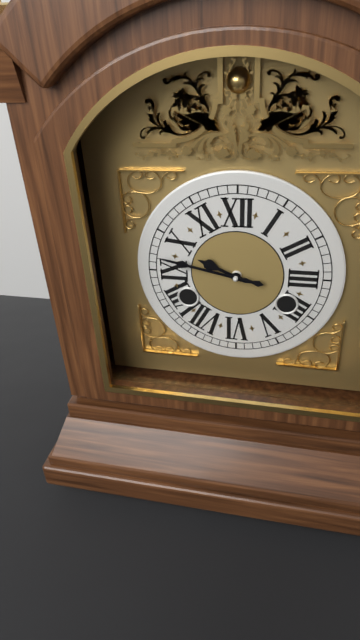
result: 9 h 47 min
